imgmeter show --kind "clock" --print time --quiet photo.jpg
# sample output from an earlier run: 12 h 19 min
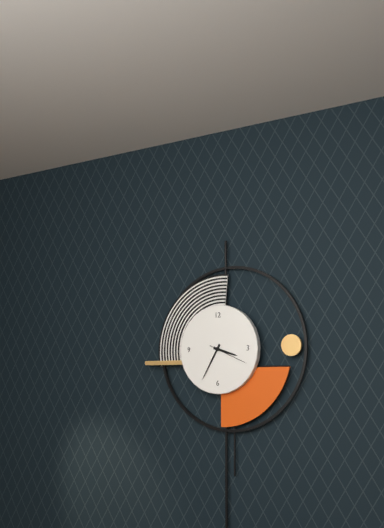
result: 3 h 35 min
